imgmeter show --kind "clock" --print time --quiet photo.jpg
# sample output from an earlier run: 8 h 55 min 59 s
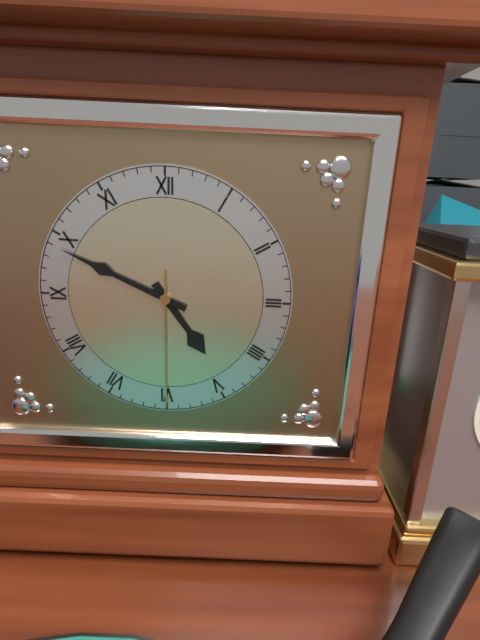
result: 4 h 49 min 30 s
